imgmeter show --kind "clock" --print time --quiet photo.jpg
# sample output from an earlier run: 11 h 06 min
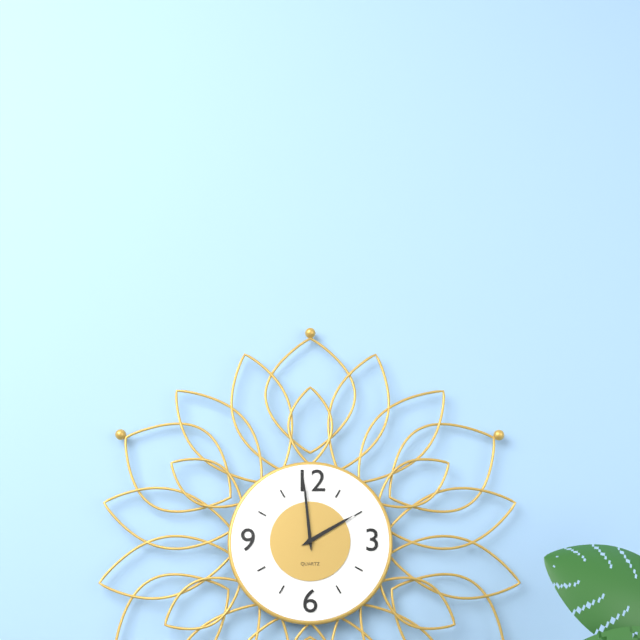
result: 1 h 59 min
